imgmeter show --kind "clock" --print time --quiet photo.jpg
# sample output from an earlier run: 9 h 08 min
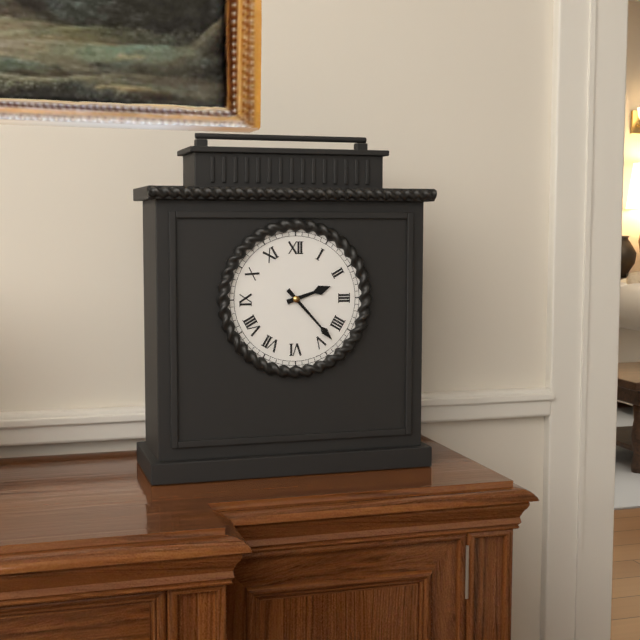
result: 2 h 23 min
